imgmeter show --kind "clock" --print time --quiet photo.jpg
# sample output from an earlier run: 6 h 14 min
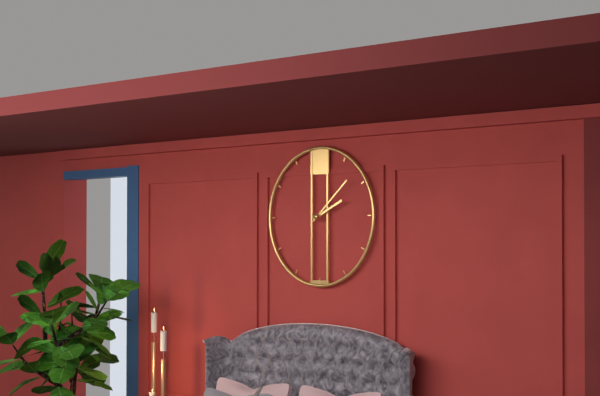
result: 2 h 08 min
